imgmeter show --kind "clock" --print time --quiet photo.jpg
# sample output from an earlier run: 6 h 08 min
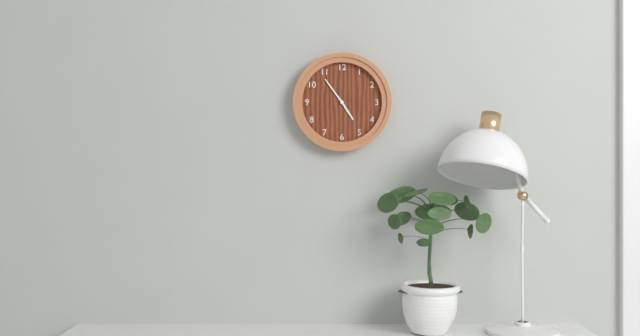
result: 4 h 54 min
